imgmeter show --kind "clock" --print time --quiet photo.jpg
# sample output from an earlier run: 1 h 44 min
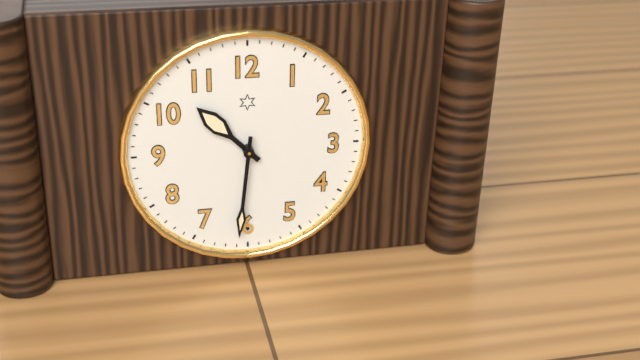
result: 10 h 31 min
